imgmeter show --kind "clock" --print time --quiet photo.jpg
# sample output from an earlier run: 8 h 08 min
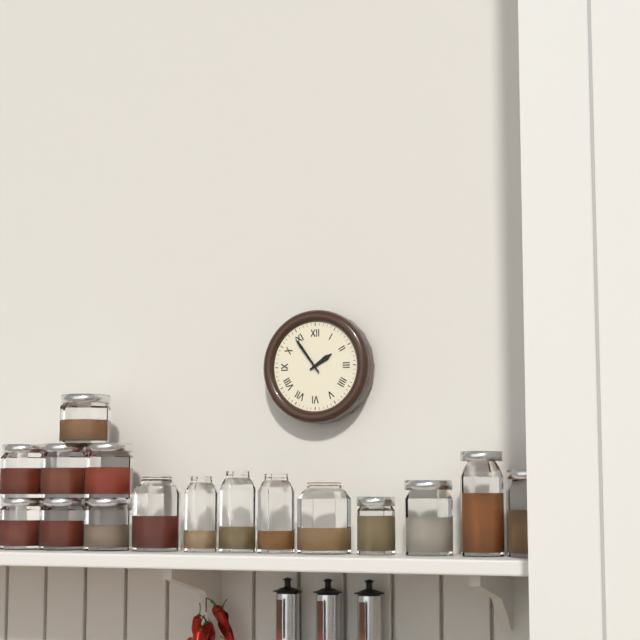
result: 1 h 54 min
